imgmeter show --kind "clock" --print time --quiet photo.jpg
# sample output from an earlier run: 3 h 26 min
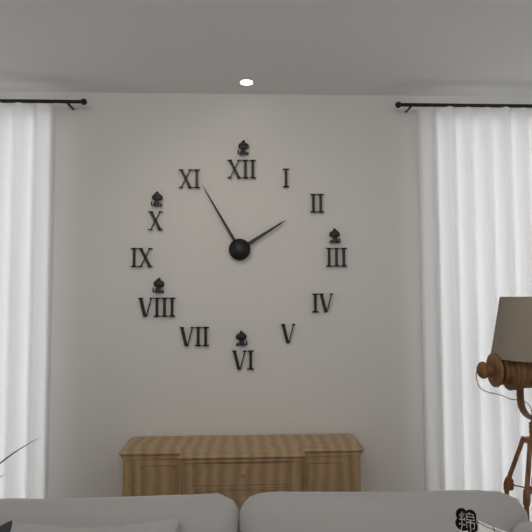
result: 1 h 55 min
